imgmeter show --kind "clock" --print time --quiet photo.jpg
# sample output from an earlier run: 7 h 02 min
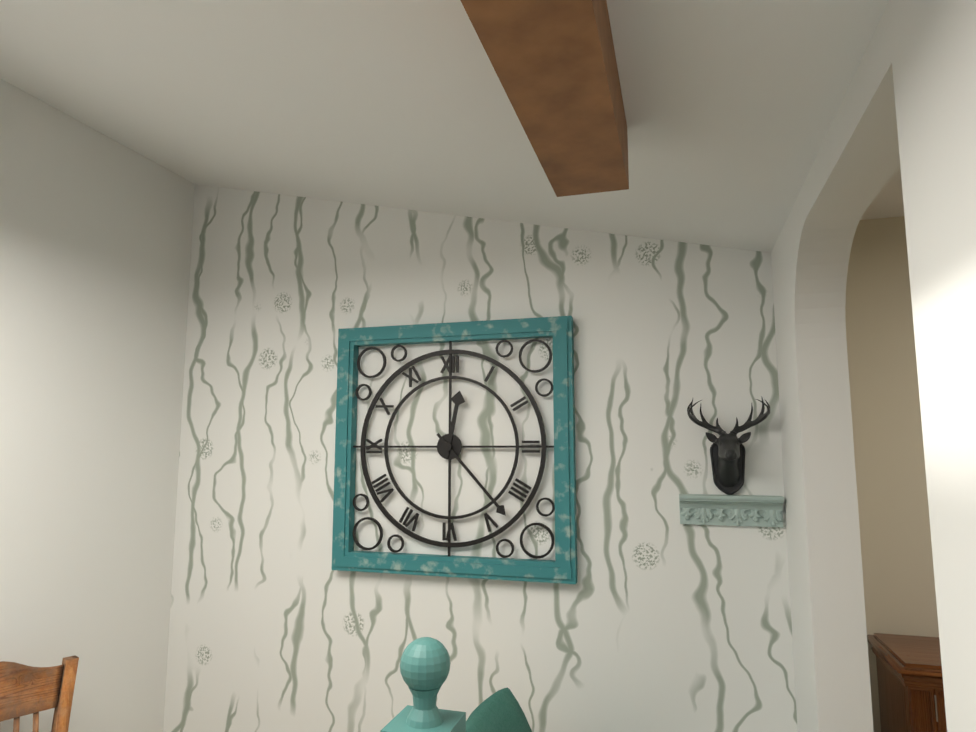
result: 12 h 23 min
